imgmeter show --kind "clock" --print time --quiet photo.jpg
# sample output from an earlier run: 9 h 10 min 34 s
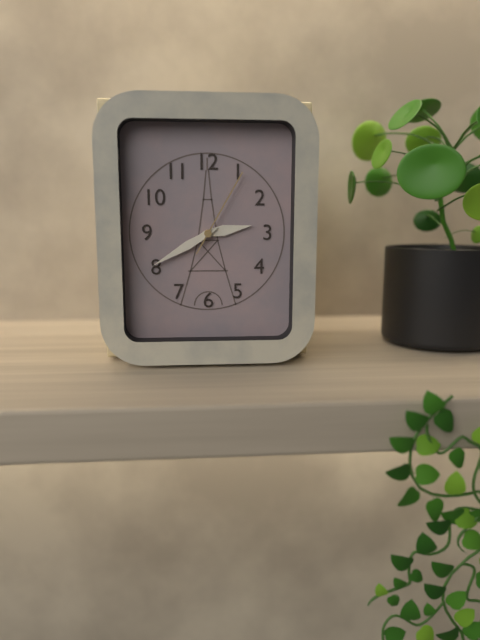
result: 2 h 40 min 05 s
